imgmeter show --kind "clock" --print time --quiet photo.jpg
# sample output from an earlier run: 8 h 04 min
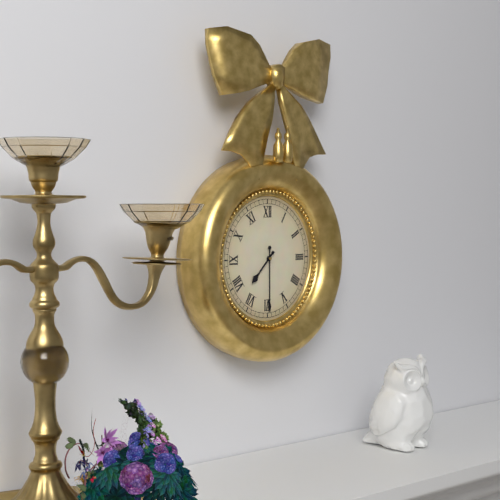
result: 7 h 30 min
